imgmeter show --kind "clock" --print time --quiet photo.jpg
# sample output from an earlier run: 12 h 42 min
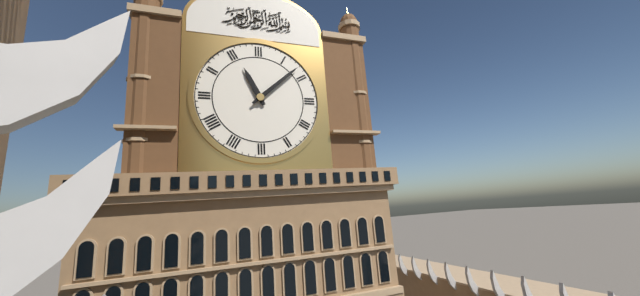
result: 11 h 08 min
